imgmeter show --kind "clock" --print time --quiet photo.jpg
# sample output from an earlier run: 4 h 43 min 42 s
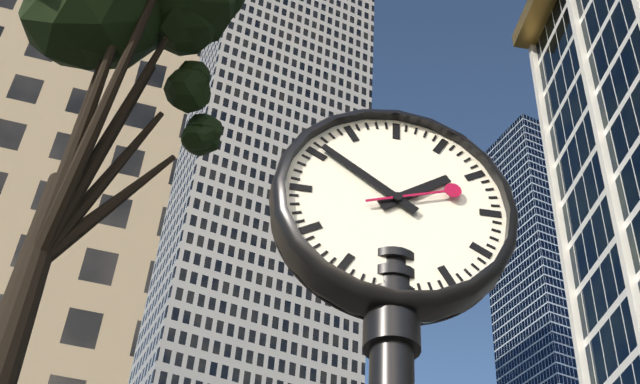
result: 1 h 51 min 12 s
